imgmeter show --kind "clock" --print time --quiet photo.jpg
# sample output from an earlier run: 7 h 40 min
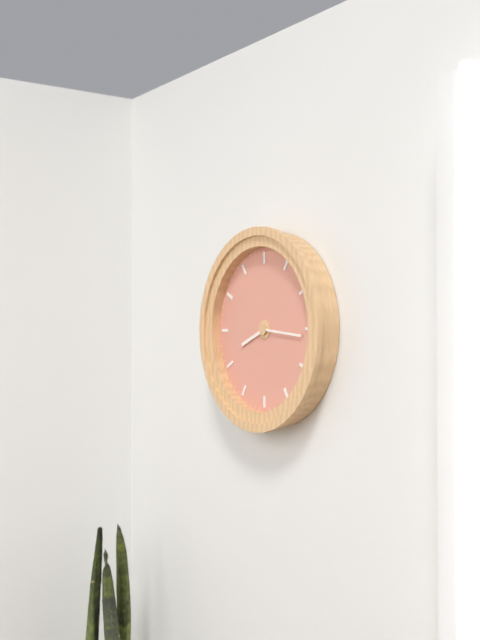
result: 8 h 16 min
